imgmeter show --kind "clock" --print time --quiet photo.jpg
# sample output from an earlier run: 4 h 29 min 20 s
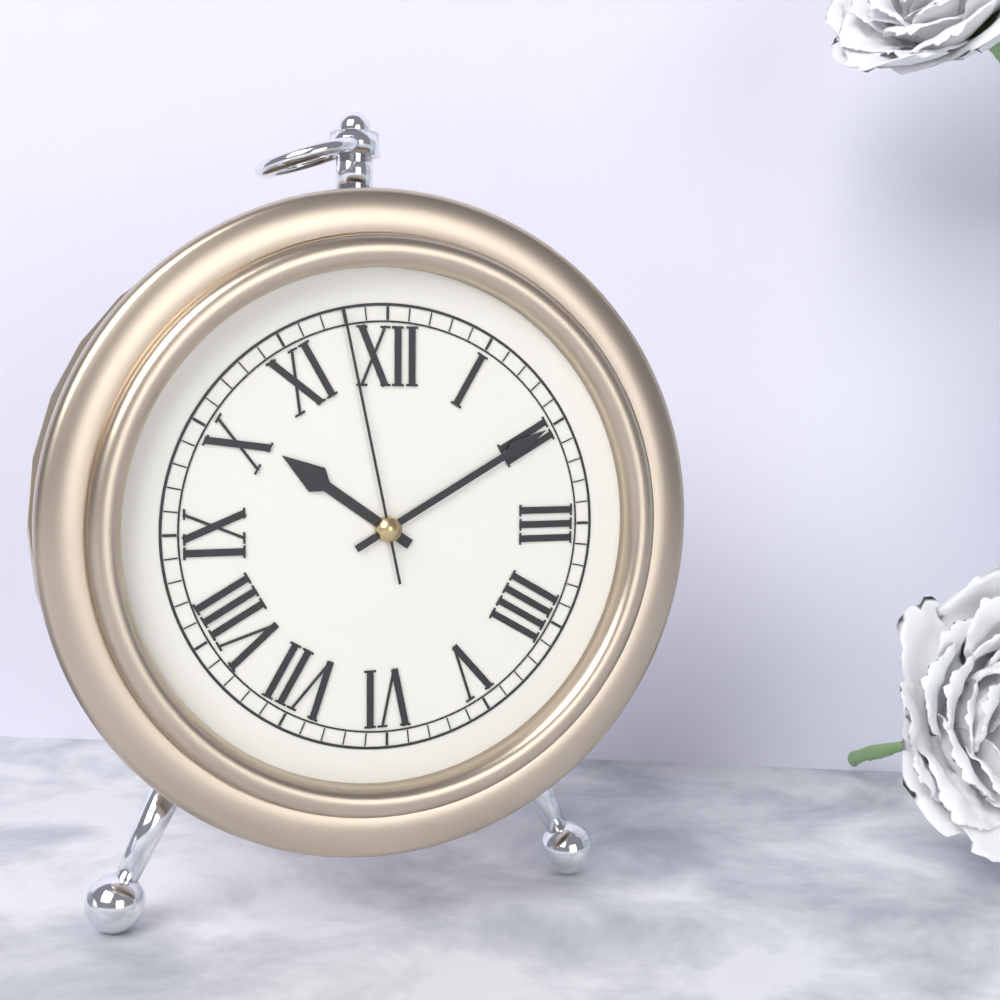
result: 10 h 10 min 58 s
